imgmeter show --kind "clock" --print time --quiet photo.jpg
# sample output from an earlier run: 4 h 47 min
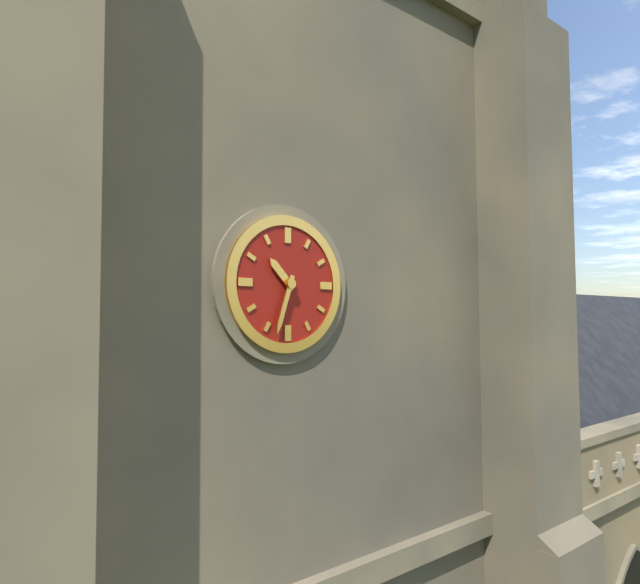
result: 10 h 33 min
